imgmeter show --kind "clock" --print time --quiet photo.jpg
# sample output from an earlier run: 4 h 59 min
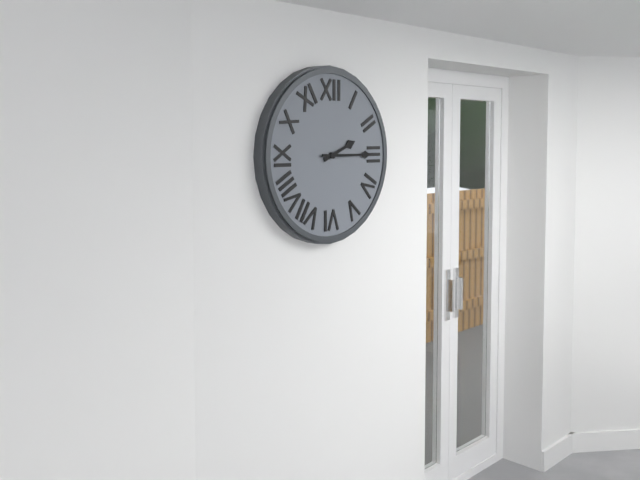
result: 2 h 15 min
